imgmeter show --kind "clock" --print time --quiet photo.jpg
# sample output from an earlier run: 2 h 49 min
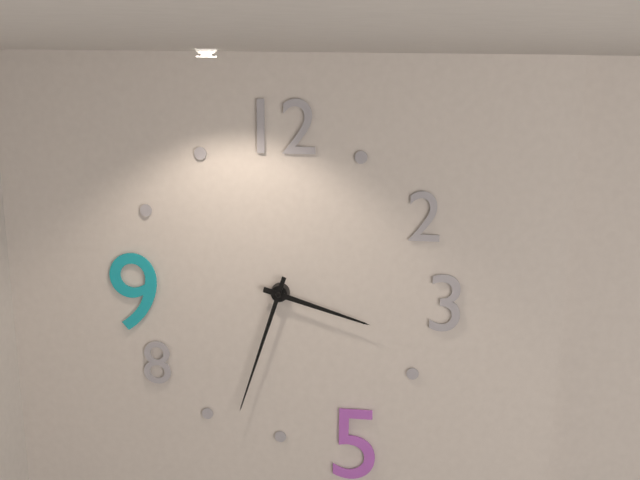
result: 3 h 33 min
